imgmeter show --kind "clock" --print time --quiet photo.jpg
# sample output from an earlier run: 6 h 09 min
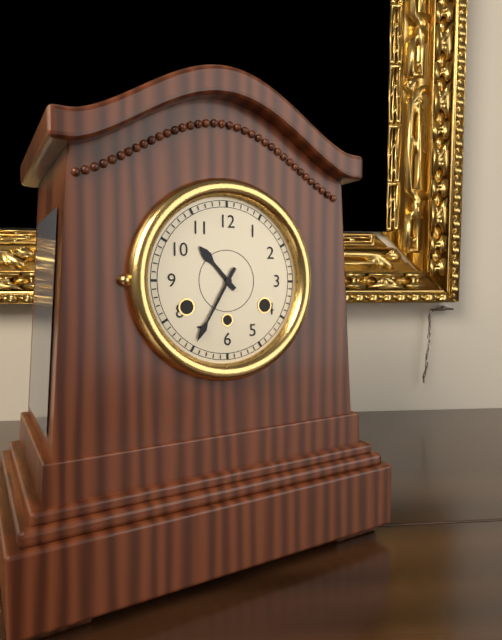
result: 10 h 35 min
